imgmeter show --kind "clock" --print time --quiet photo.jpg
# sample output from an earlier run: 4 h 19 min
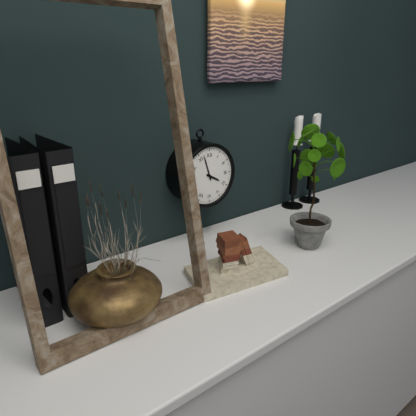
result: 3 h 57 min
